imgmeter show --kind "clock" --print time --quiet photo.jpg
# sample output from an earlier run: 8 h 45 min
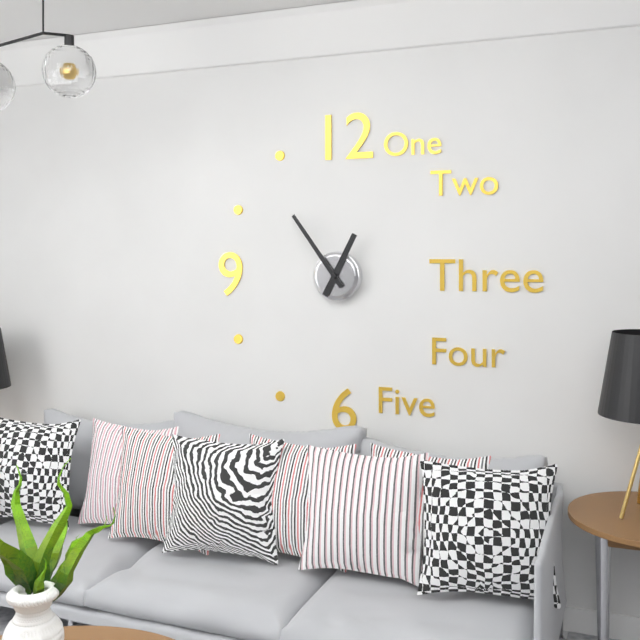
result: 12 h 54 min
